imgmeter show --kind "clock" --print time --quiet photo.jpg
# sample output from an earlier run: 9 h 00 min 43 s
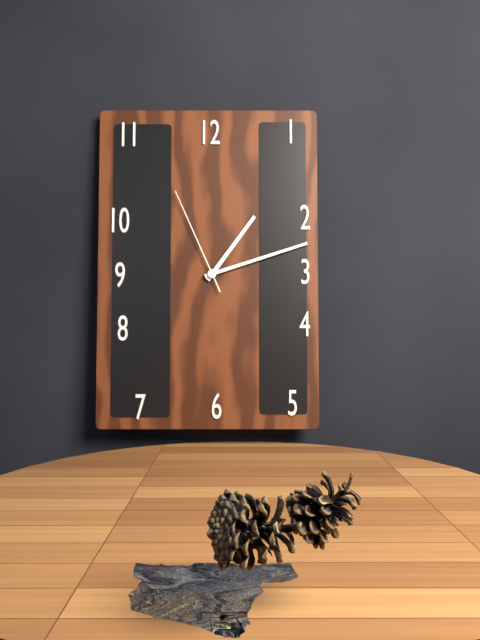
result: 1 h 12 min 56 s
